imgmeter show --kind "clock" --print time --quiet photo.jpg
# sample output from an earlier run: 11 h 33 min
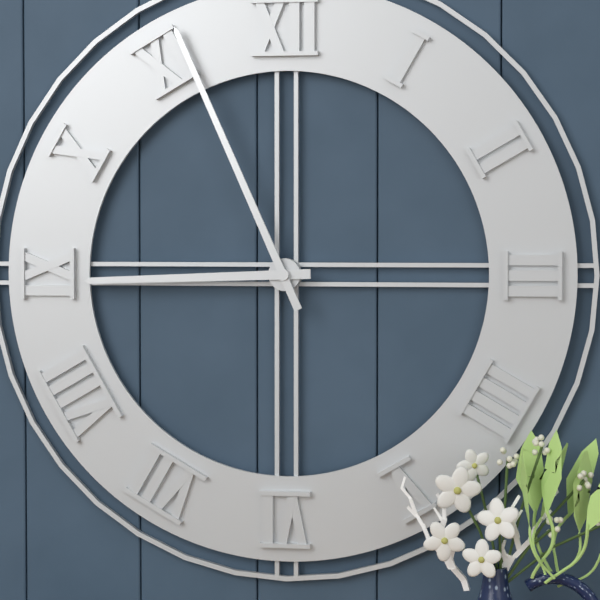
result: 8 h 56 min
